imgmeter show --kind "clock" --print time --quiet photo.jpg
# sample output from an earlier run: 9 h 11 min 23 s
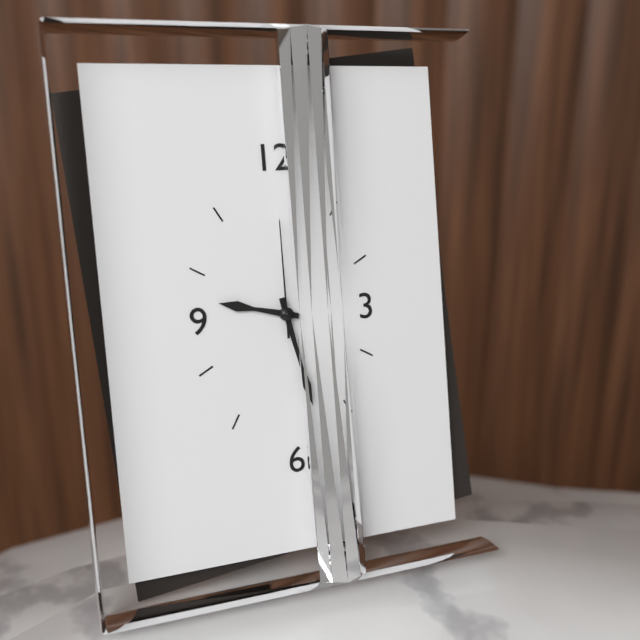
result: 9 h 28 min 00 s
